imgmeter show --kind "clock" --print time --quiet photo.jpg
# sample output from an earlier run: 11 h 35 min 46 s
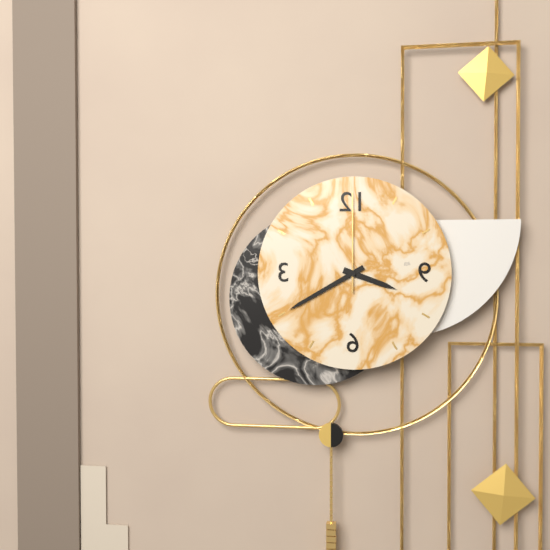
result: 3 h 40 min 00 s
